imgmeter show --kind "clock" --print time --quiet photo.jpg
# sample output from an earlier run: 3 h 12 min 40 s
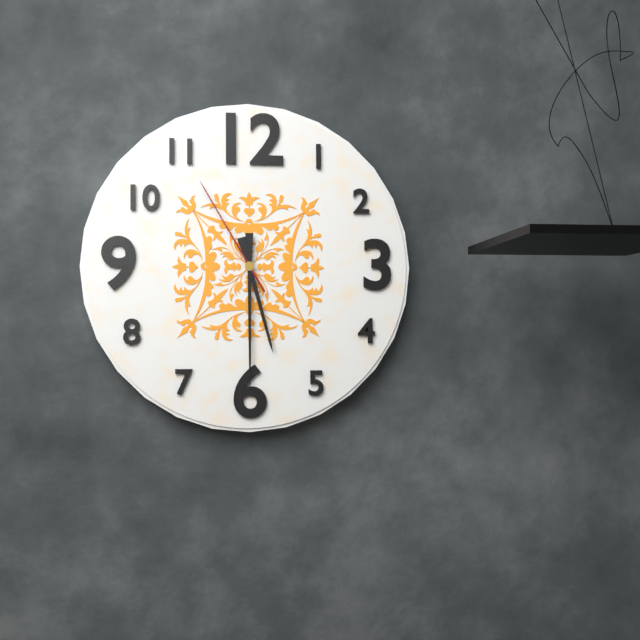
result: 5 h 30 min 55 s
